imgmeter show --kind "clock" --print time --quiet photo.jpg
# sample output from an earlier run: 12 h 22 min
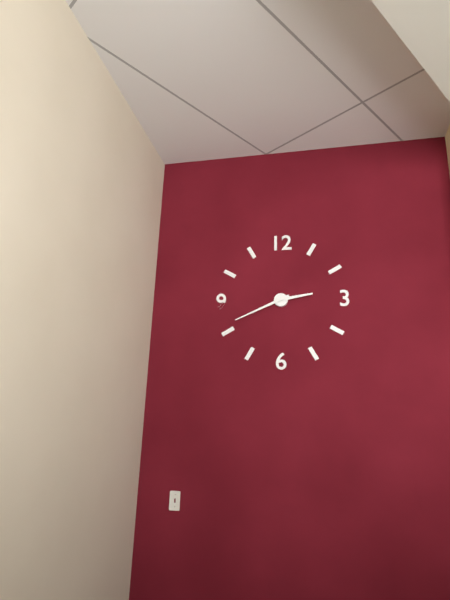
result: 2 h 41 min
